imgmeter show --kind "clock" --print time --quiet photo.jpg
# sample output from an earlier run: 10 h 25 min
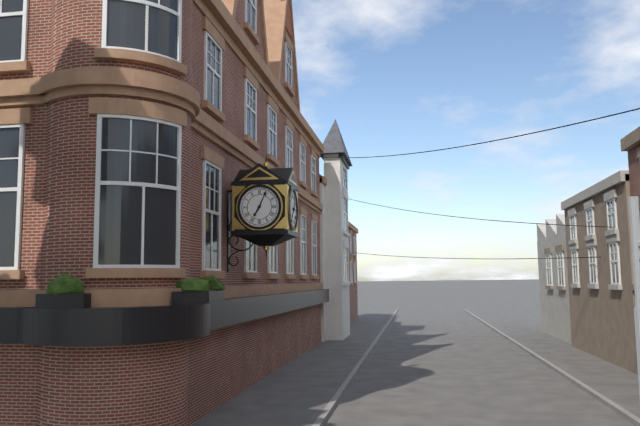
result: 7 h 04 min
